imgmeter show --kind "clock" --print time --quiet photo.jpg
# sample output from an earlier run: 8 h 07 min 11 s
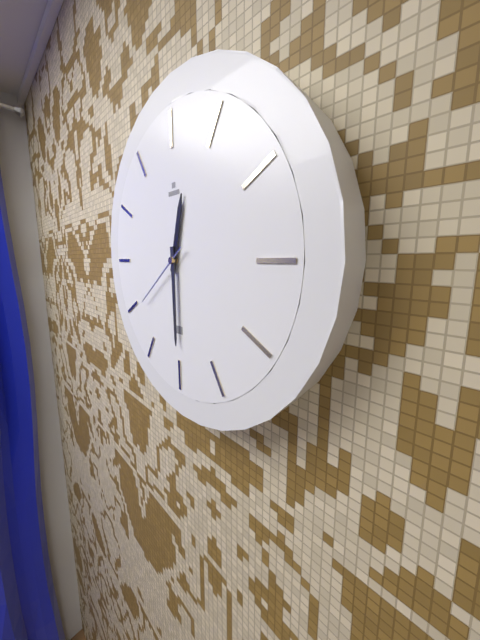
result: 12 h 30 min 39 s
